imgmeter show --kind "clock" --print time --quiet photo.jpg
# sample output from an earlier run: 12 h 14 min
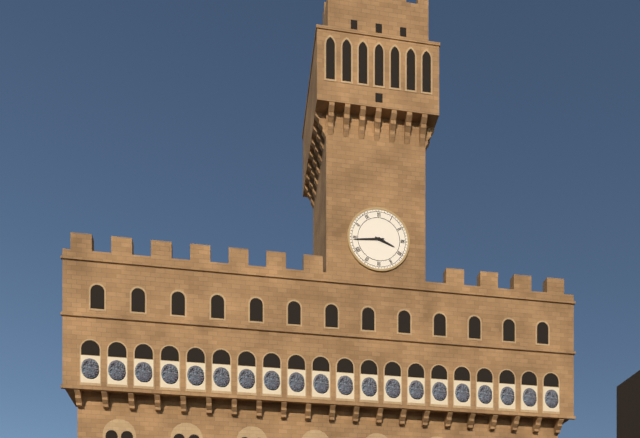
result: 3 h 44 min
